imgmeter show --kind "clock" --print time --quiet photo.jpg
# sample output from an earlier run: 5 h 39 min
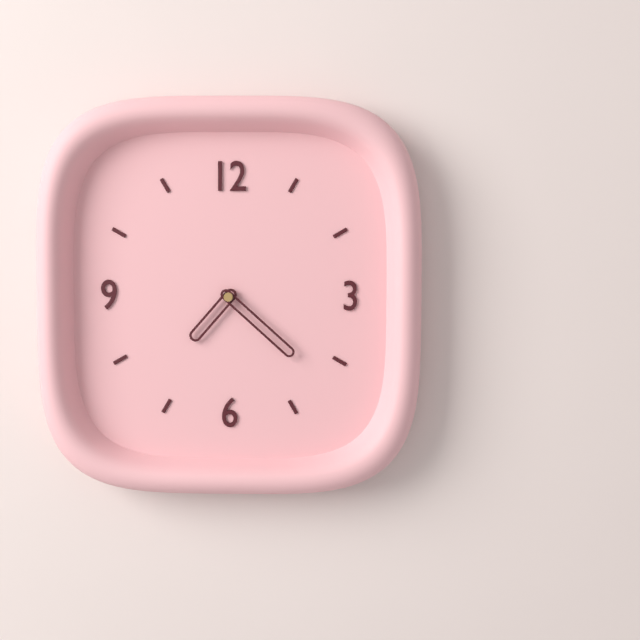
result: 7 h 22 min
